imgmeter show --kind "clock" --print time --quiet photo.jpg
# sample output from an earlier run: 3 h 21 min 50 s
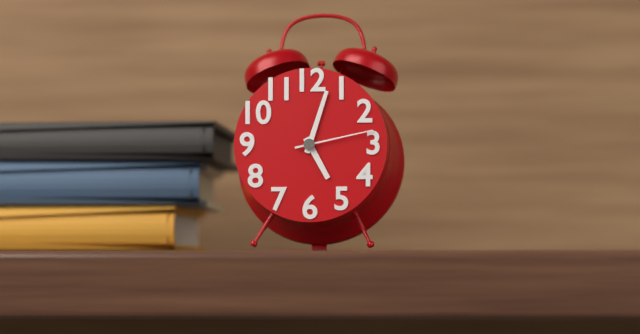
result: 5 h 03 min 13 s
